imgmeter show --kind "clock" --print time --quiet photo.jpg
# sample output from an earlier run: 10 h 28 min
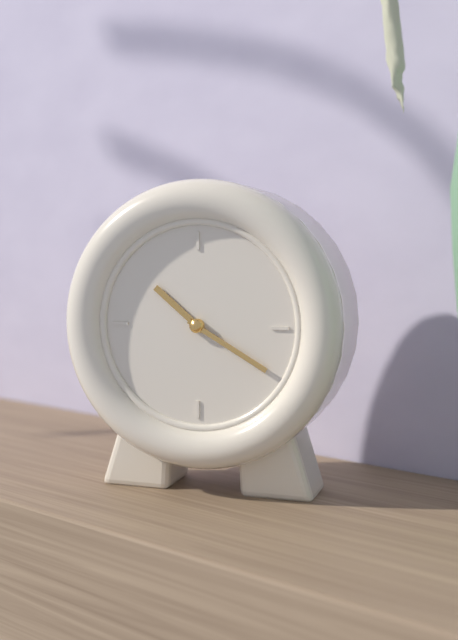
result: 10 h 20 min
